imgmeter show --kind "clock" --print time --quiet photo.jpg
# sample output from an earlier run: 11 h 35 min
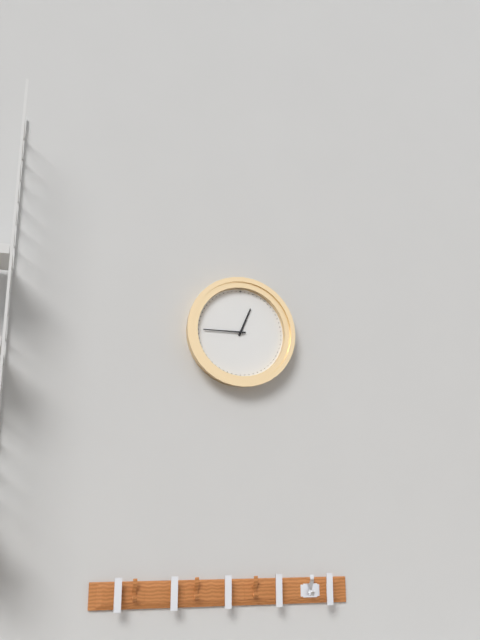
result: 12 h 45 min
